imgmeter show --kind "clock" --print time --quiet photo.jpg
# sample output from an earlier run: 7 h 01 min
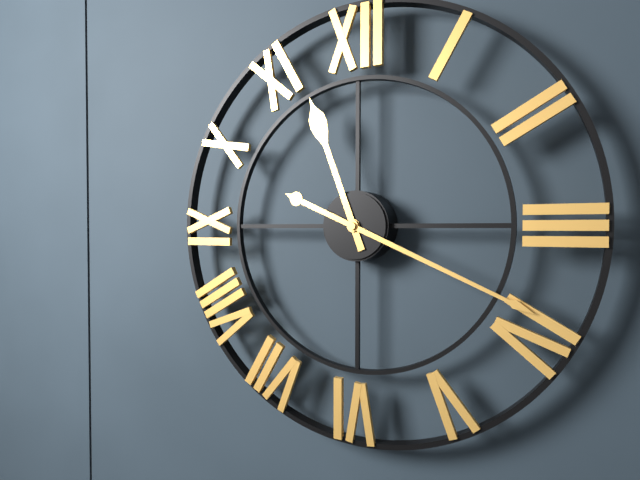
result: 11 h 19 min
